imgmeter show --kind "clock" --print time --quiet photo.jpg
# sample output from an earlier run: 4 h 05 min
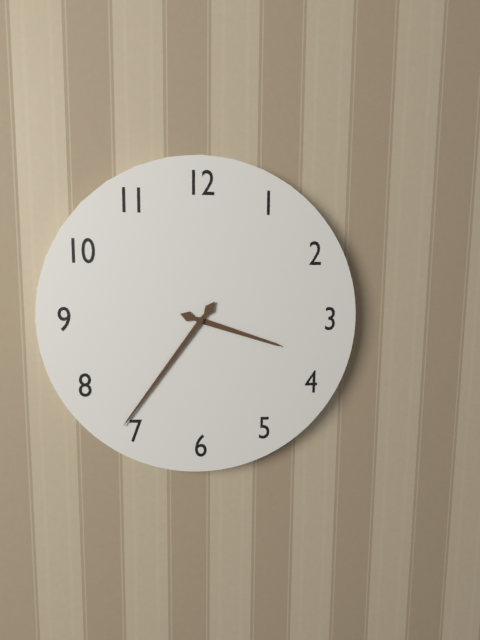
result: 3 h 36 min
